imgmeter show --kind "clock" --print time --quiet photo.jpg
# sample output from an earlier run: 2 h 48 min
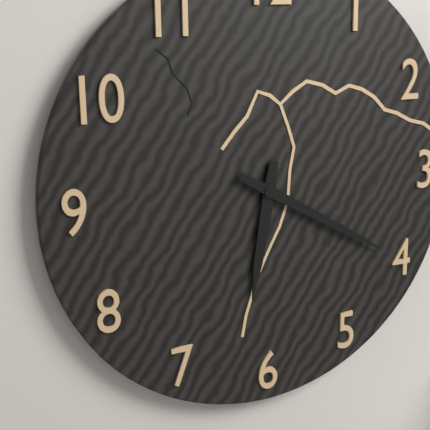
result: 6 h 20 min
